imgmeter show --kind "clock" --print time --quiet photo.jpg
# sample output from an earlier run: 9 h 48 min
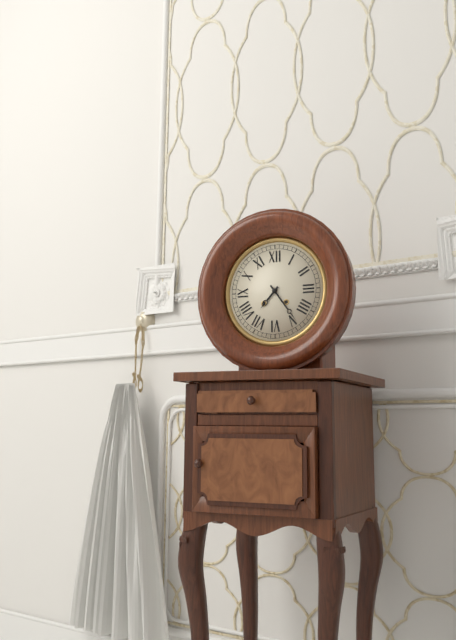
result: 7 h 24 min
